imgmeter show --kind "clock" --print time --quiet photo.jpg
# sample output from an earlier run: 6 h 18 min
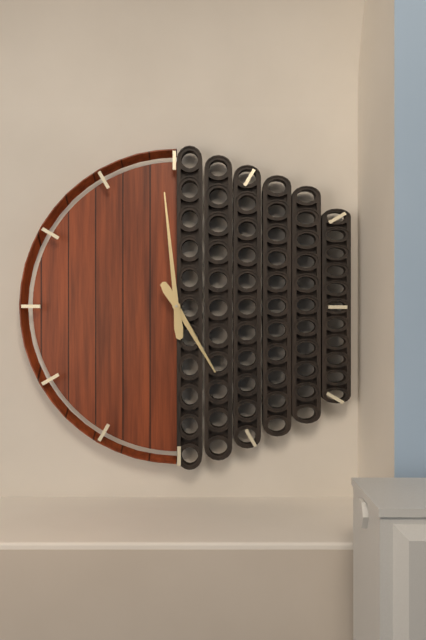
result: 4 h 59 min
